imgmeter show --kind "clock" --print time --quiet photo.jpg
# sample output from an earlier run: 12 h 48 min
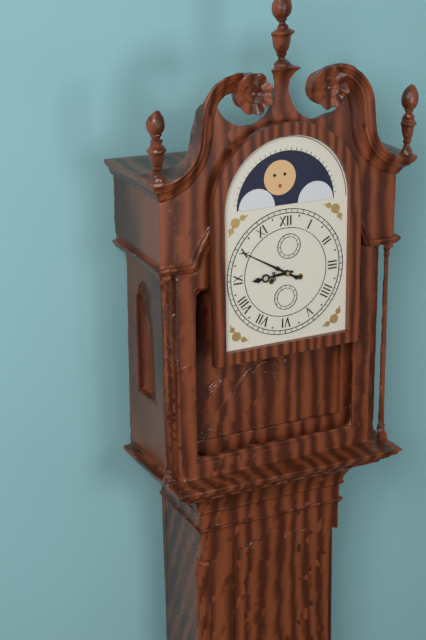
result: 8 h 50 min
